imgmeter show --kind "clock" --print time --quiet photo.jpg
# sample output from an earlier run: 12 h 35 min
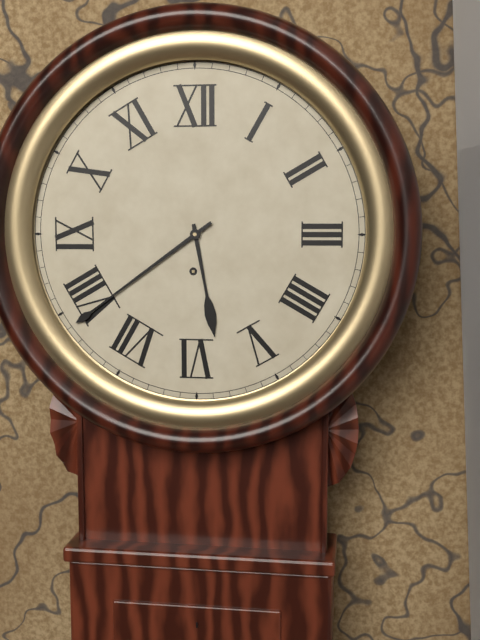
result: 5 h 39 min
